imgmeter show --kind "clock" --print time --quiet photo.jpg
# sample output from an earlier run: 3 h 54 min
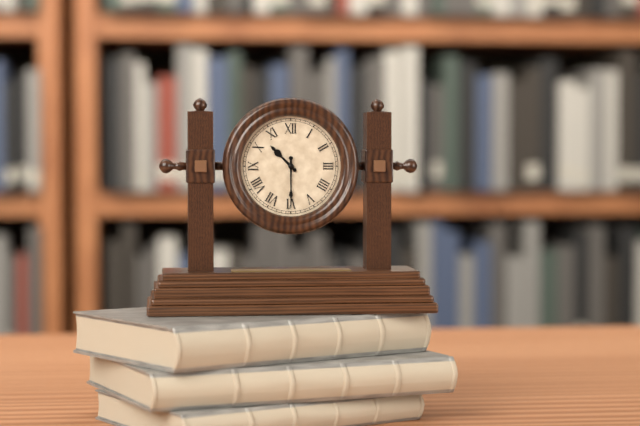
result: 10 h 30 min
